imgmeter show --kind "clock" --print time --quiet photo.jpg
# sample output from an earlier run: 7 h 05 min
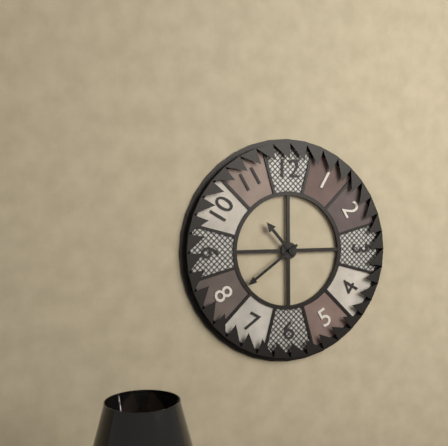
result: 10 h 39 min
